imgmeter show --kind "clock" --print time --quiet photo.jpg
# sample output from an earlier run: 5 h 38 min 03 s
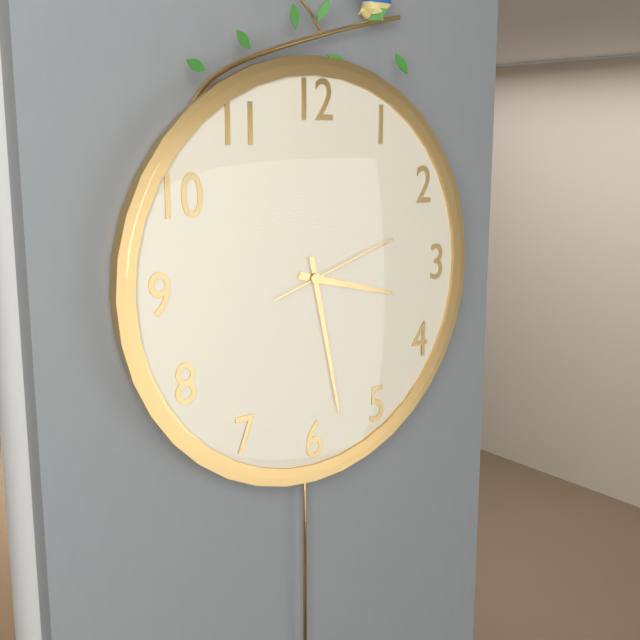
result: 3 h 28 min 12 s
